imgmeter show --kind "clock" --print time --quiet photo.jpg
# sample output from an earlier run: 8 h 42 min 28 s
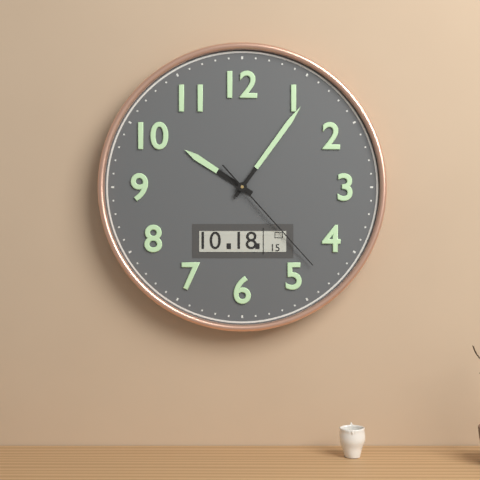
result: 10 h 06 min 23 s
